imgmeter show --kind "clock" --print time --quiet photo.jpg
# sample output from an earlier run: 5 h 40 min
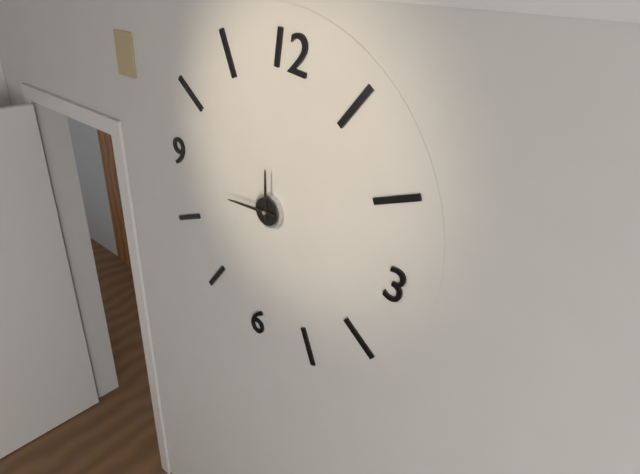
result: 11 h 43 min
